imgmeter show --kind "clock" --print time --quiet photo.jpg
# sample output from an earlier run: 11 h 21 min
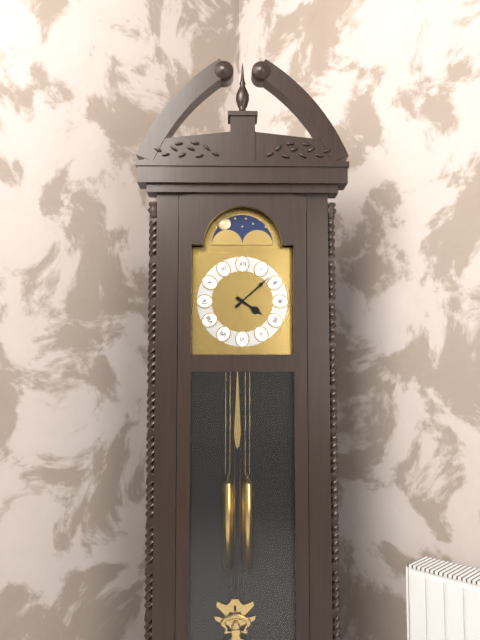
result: 4 h 08 min
